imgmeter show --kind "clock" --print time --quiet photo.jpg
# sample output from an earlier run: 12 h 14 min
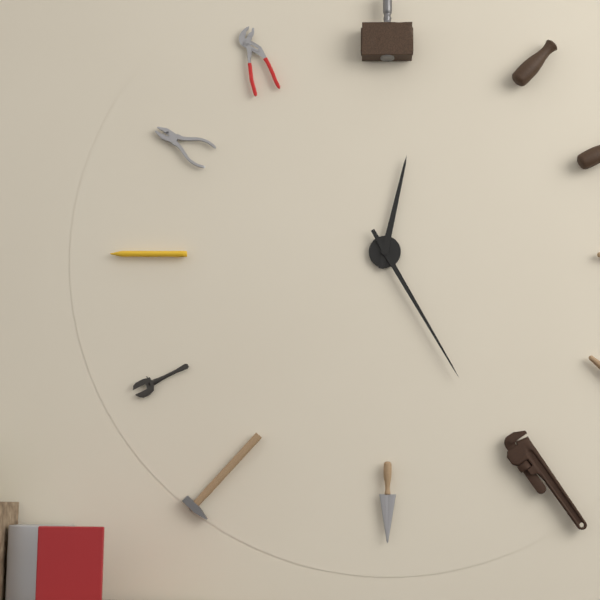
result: 12 h 25 min
